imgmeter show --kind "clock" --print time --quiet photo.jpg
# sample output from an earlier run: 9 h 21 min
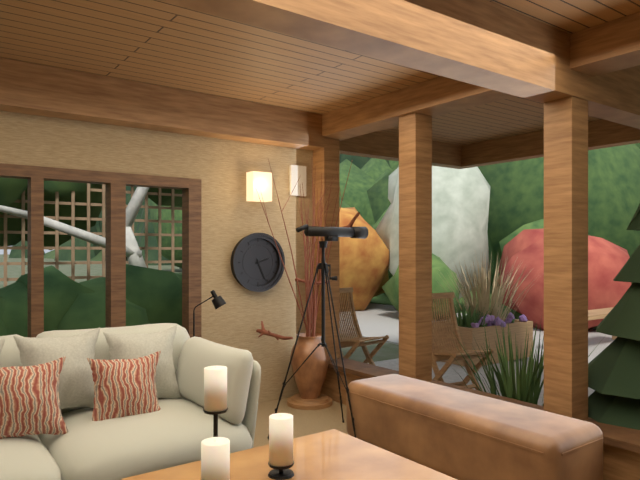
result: 2 h 26 min
